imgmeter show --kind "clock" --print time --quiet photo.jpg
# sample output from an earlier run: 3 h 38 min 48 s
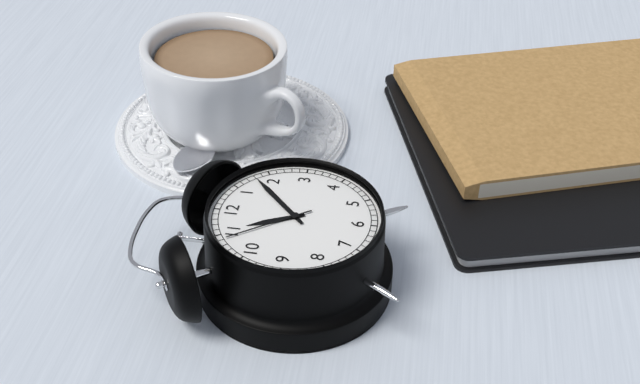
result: 11 h 08 min 54 s
